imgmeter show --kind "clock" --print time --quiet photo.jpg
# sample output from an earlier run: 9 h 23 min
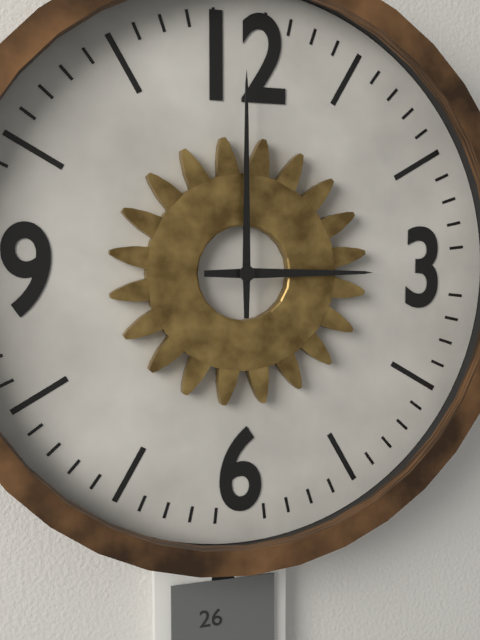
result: 3 h 00 min
